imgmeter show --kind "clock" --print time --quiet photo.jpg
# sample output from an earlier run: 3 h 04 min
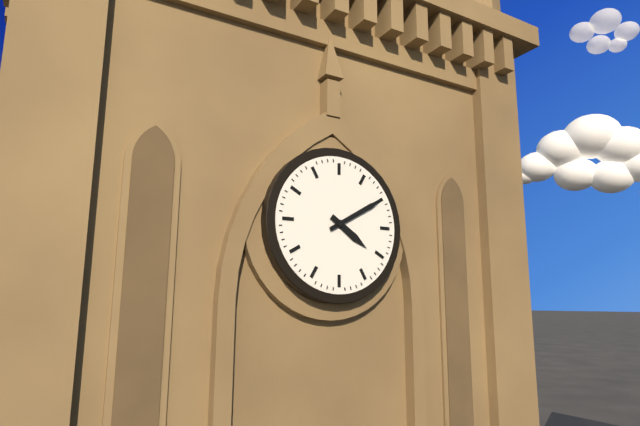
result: 4 h 10 min
